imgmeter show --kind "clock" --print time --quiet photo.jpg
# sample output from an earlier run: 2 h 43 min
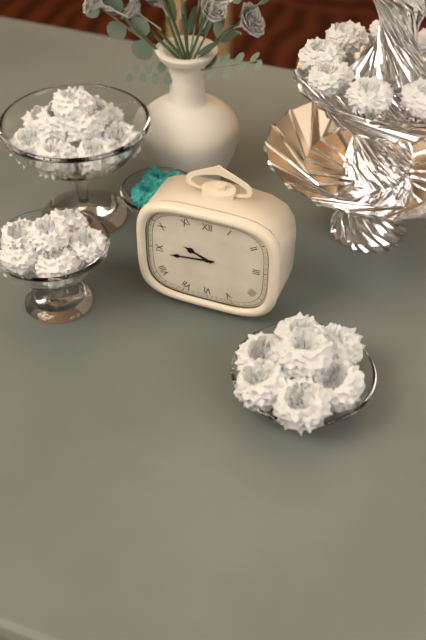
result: 9 h 44 min
